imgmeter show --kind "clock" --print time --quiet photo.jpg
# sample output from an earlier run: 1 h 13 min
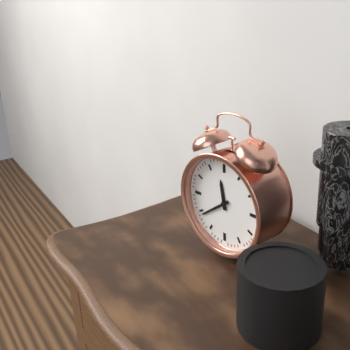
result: 11 h 39 min
